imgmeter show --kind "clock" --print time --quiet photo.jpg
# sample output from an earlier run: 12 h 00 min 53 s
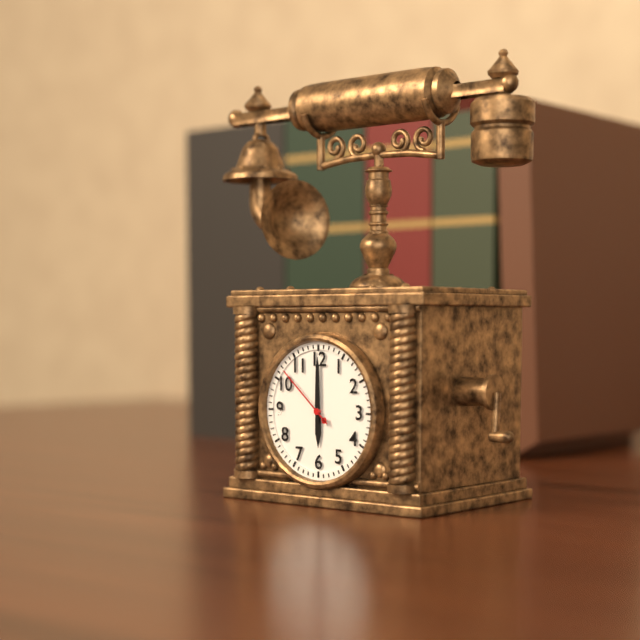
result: 6 h 00 min 52 s
